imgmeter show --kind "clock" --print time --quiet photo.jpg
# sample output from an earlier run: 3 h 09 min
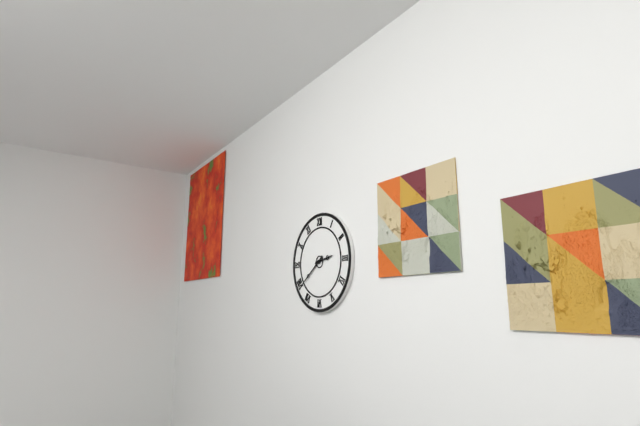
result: 2 h 39 min
